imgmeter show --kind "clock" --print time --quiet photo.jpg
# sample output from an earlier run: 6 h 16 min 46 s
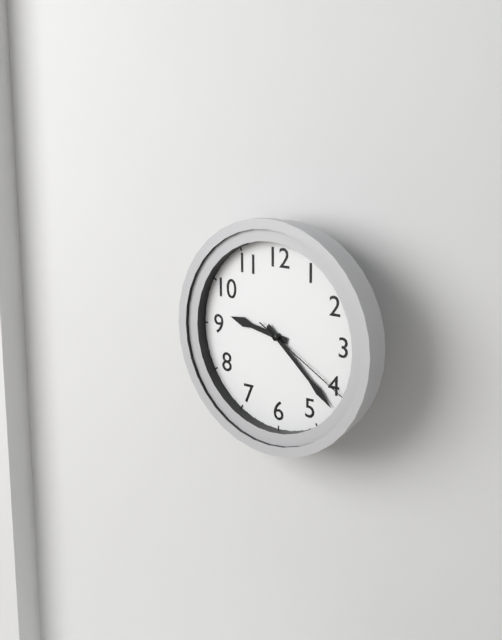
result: 9 h 22 min 20 s
